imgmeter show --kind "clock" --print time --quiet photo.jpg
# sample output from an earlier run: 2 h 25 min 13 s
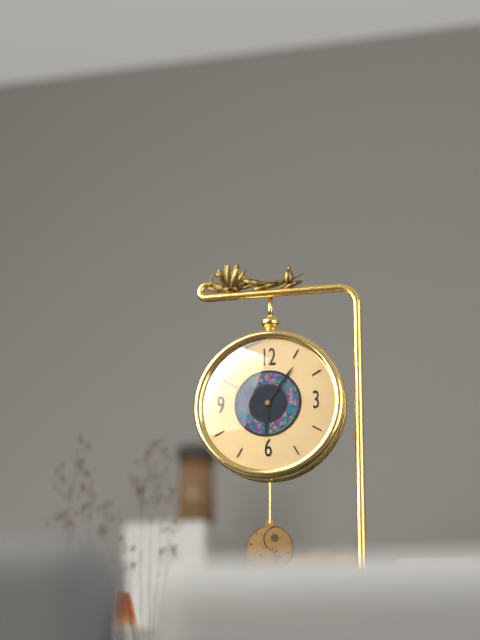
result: 6 h 06 min 50 s
